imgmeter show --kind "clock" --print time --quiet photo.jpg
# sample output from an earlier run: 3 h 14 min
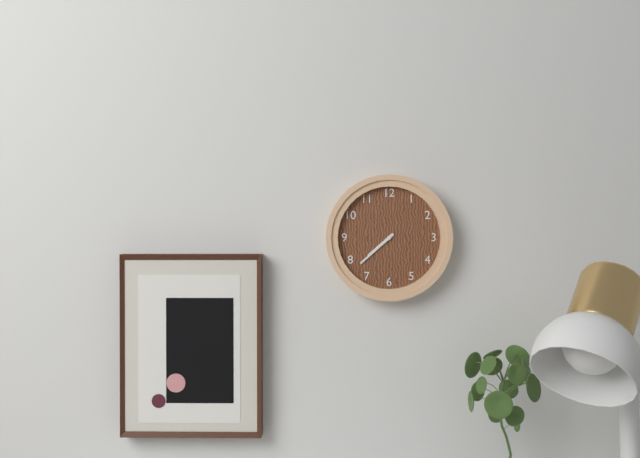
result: 7 h 38 min
